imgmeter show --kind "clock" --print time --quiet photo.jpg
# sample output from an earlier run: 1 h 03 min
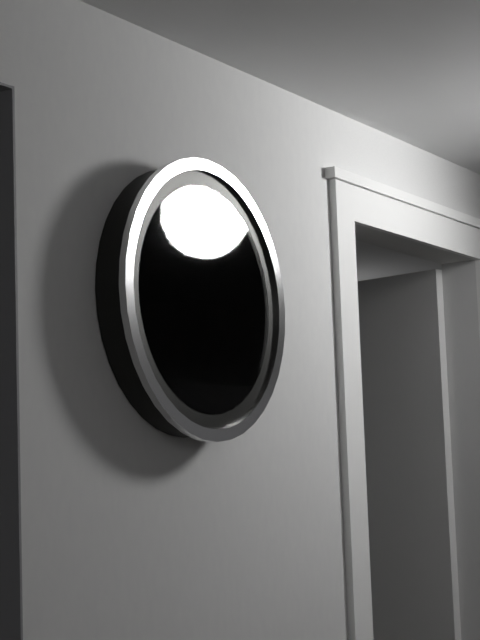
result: 6 h 25 min
